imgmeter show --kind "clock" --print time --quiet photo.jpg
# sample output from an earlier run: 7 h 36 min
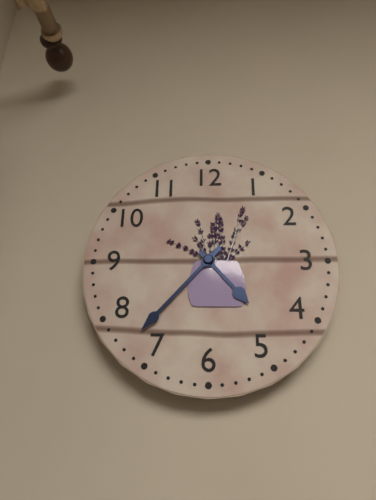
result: 4 h 37 min
